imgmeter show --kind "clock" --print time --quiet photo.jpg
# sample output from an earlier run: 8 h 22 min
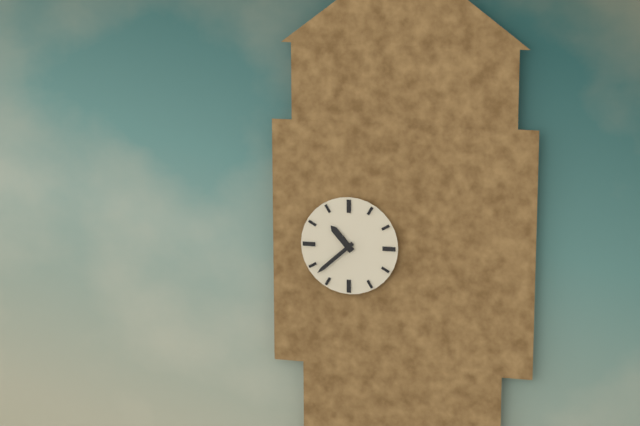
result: 10 h 38 min
